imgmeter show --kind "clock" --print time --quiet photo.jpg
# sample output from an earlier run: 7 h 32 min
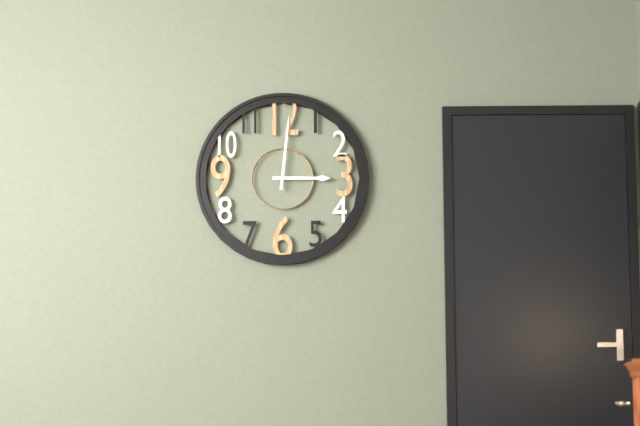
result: 3 h 01 min
